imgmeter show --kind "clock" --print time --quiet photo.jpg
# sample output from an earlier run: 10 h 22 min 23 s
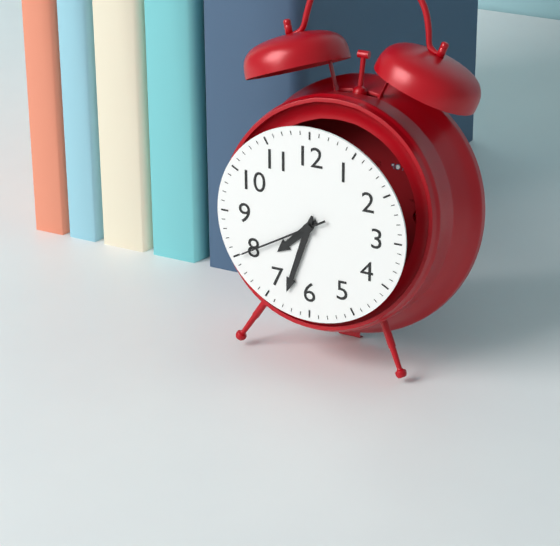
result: 7 h 33 min 40 s
